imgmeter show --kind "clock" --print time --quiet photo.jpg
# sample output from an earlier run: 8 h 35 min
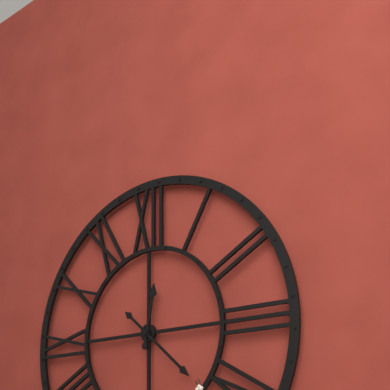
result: 12 h 22 min
